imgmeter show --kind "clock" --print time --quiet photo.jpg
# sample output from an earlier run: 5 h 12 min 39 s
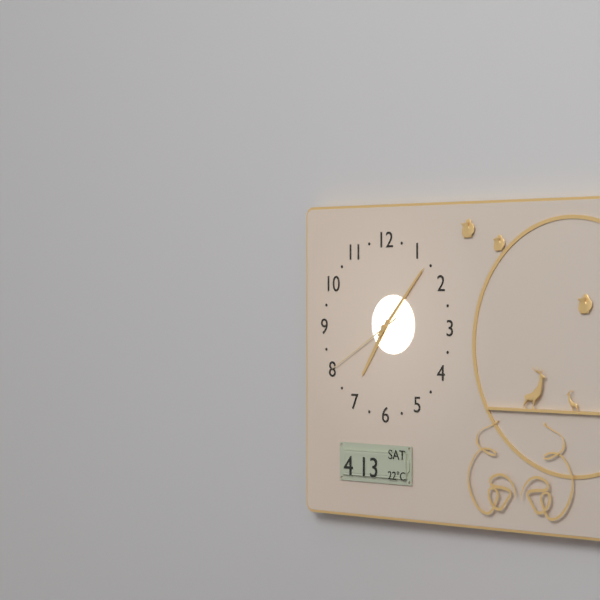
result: 7 h 07 min 40 s
